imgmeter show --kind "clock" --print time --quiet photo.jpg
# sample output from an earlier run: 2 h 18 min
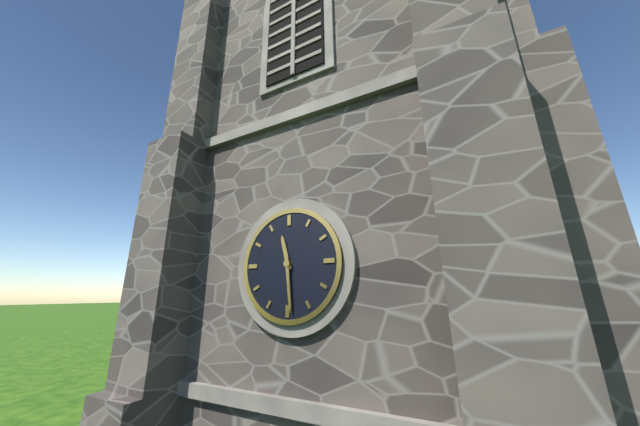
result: 11 h 29 min
